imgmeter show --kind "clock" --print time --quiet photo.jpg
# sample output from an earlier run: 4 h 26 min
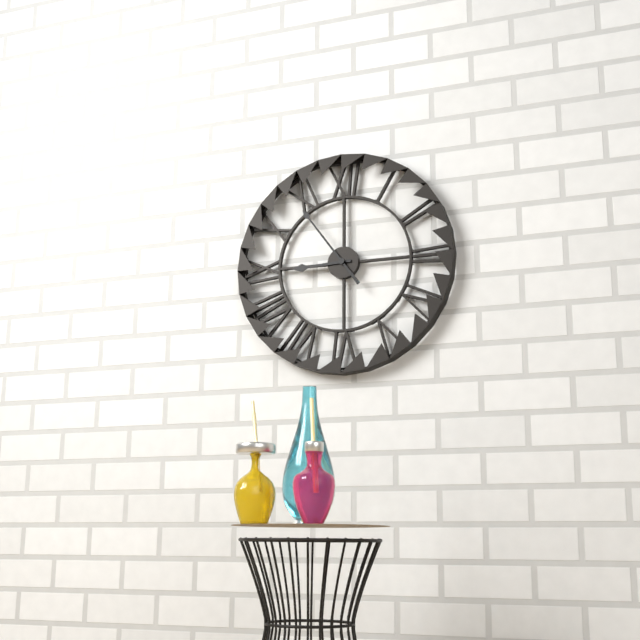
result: 8 h 54 min
